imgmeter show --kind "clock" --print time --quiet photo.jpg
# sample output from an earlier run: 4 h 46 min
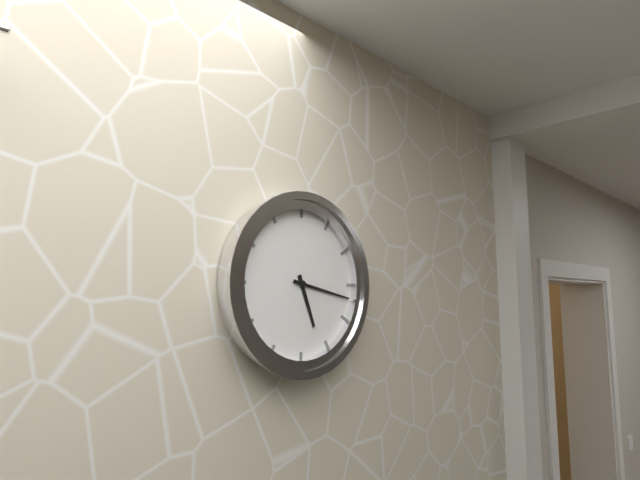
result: 5 h 17 min
